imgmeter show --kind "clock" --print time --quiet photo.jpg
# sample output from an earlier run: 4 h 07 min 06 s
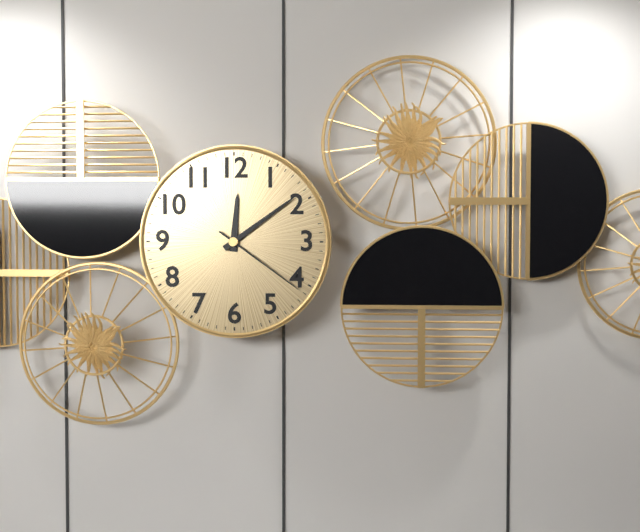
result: 12 h 09 min 21 s
